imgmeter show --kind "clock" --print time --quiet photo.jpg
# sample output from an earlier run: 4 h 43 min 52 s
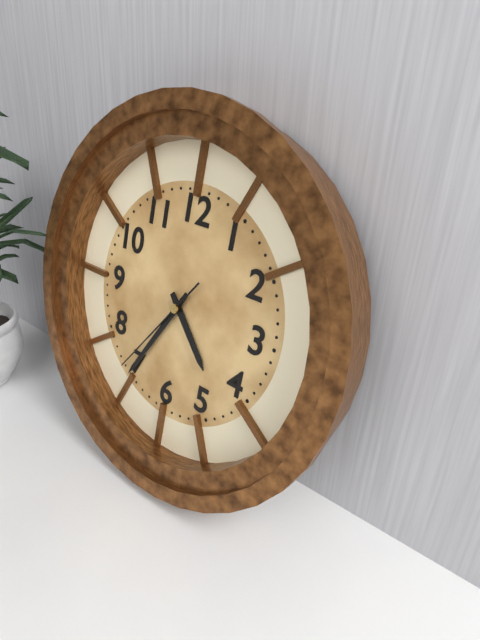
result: 4 h 35 min 36 s
